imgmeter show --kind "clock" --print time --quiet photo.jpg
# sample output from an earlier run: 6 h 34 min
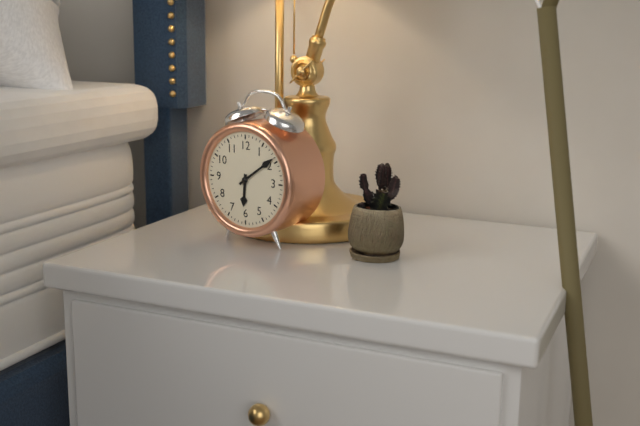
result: 6 h 09 min
